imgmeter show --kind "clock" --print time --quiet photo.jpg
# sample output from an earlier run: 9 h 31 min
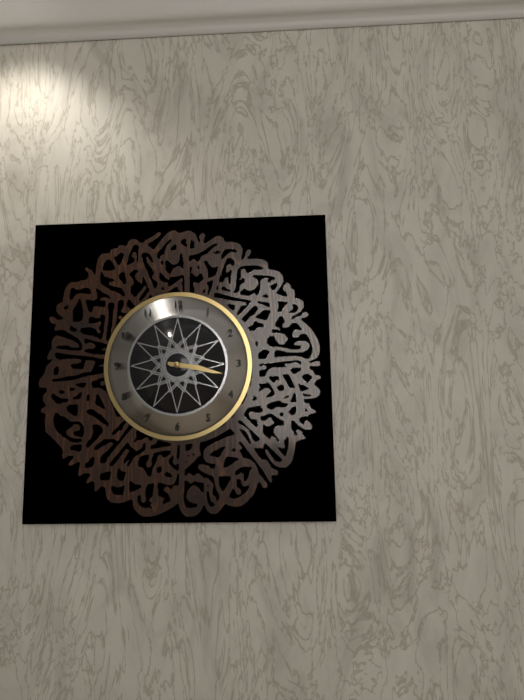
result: 3 h 17 min
